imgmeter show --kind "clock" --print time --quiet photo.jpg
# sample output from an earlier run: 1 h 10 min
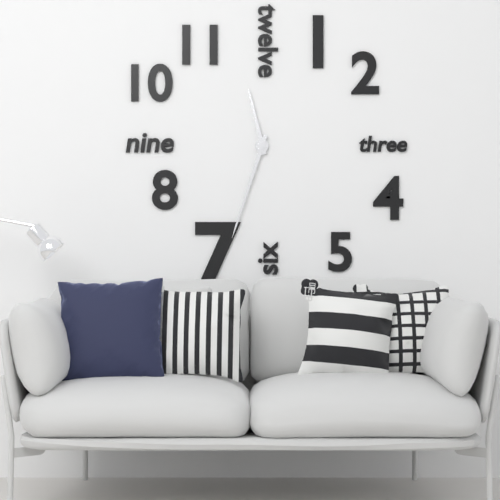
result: 11 h 33 min
